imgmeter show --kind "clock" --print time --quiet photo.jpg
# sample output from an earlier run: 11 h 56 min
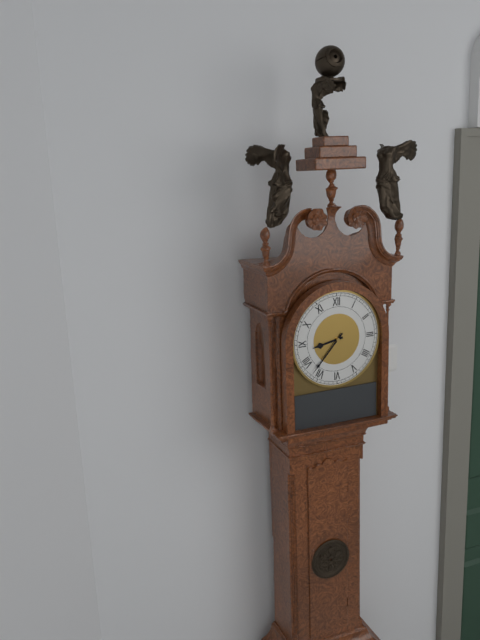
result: 8 h 37 min
